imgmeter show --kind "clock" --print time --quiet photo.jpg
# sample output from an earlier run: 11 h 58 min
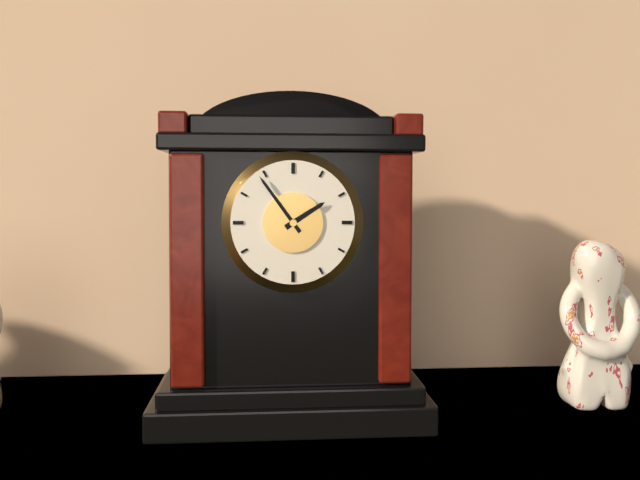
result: 1 h 54 min
